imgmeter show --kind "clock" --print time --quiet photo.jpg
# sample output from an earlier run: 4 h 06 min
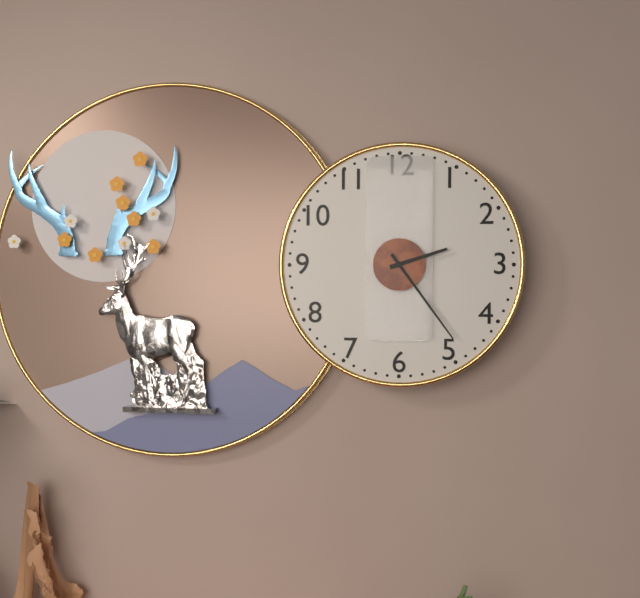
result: 2 h 24 min
